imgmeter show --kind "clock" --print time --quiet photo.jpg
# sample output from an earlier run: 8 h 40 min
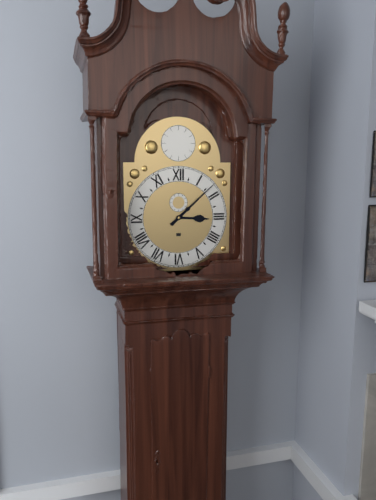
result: 3 h 08 min
